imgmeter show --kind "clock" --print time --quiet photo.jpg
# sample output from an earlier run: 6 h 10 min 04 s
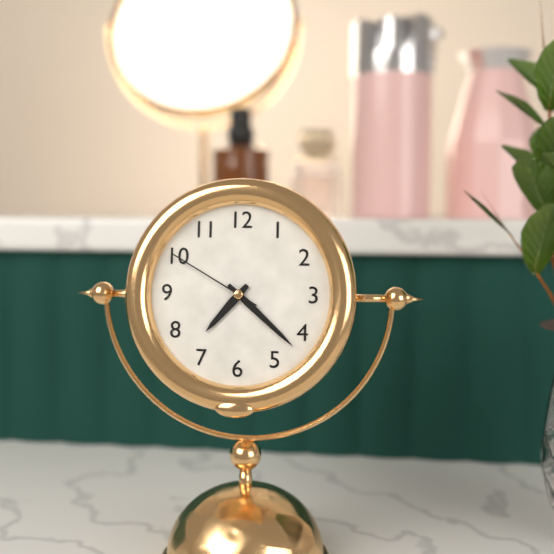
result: 7 h 22 min 50 s
